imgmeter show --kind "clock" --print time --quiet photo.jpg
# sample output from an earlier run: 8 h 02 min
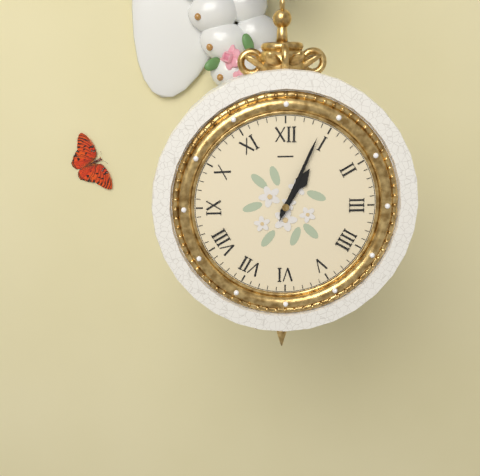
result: 1 h 04 min
